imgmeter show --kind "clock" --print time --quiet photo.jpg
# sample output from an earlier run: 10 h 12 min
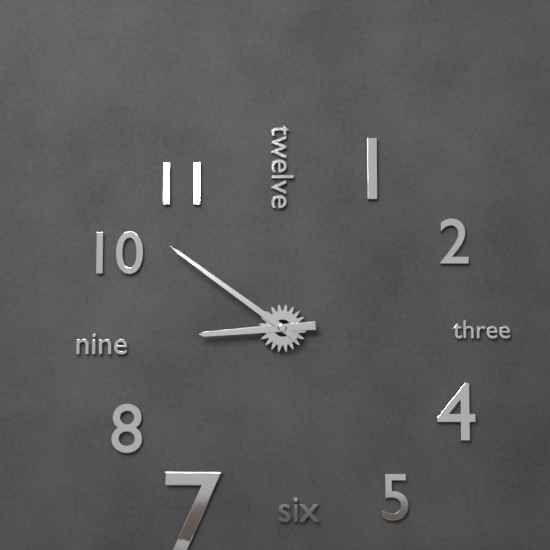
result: 8 h 51 min
